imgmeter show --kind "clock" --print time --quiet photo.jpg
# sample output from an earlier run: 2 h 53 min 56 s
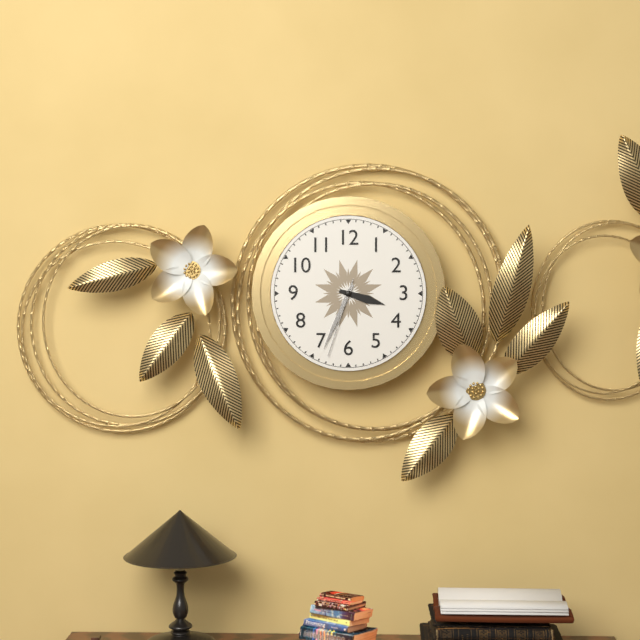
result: 3 h 34 min 33 s
